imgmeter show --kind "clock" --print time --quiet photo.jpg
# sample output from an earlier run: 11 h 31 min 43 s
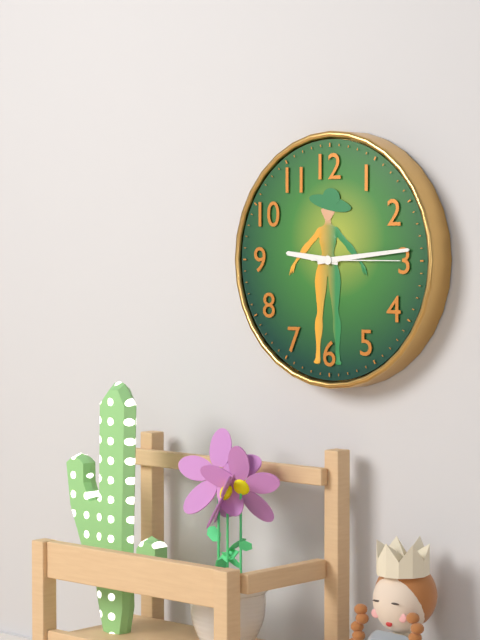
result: 9 h 14 min 15 s
